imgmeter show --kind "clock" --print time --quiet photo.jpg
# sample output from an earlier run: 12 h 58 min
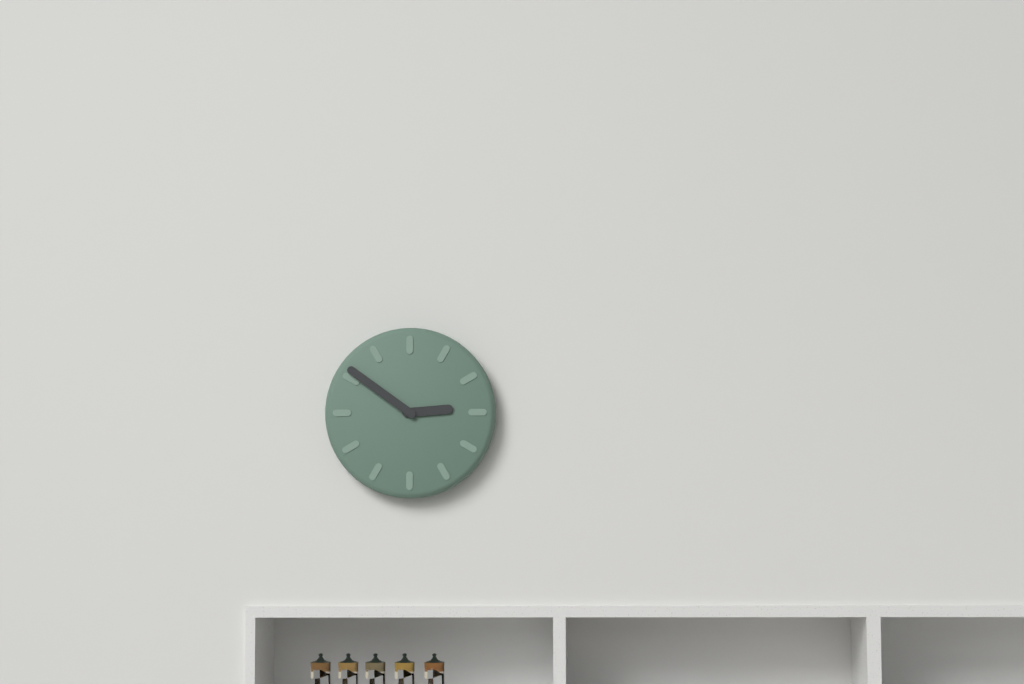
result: 2 h 51 min
